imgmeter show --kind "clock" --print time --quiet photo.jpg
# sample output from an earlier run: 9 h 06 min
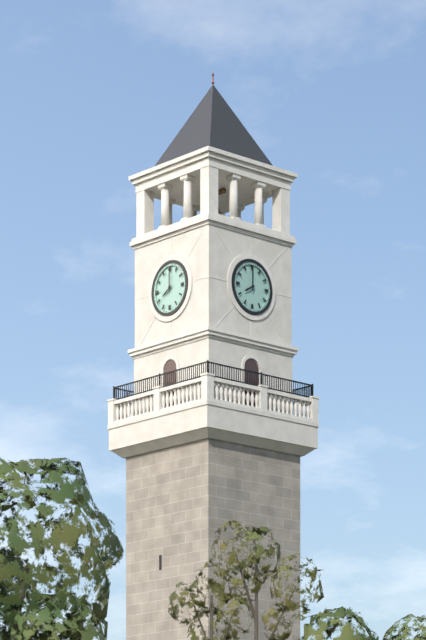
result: 8 h 00 min
